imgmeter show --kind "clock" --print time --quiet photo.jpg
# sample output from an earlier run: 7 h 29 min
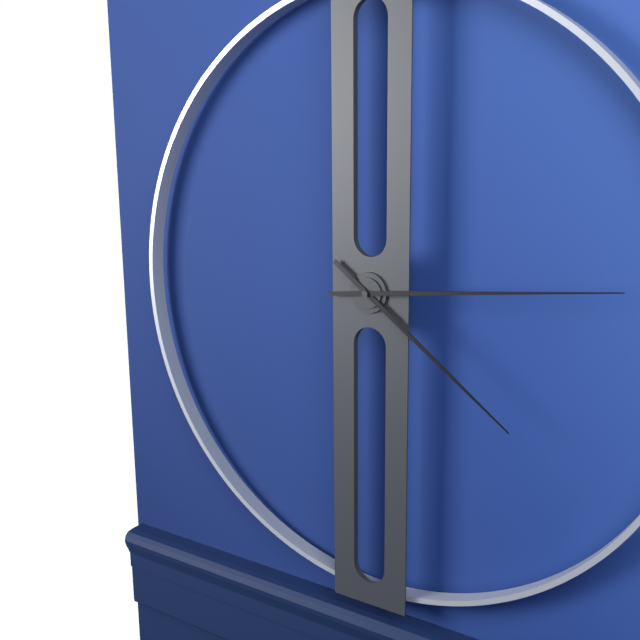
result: 4 h 14 min
